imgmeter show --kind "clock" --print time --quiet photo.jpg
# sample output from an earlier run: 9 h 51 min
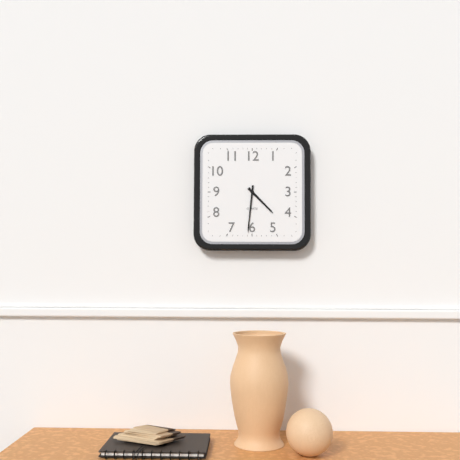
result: 4 h 31 min
